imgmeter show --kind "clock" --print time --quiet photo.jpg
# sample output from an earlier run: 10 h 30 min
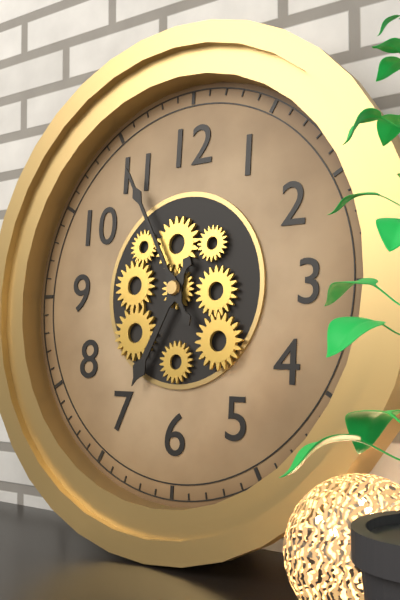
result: 6 h 55 min
